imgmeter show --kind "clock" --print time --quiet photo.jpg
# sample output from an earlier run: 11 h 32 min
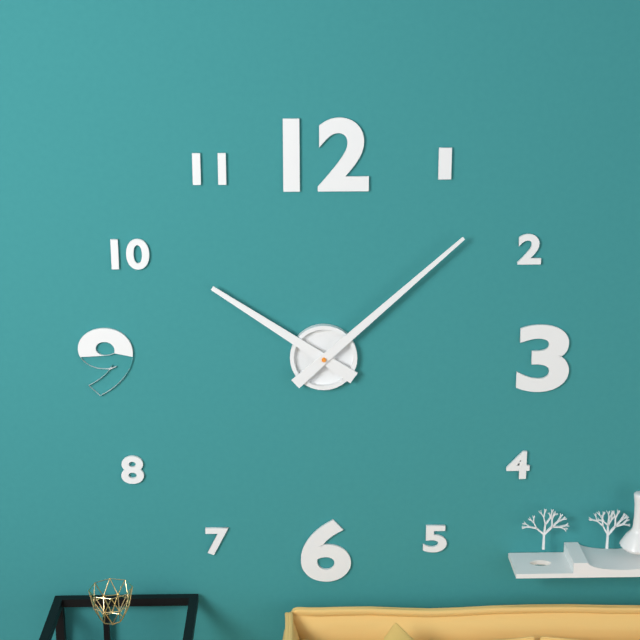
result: 10 h 08 min
